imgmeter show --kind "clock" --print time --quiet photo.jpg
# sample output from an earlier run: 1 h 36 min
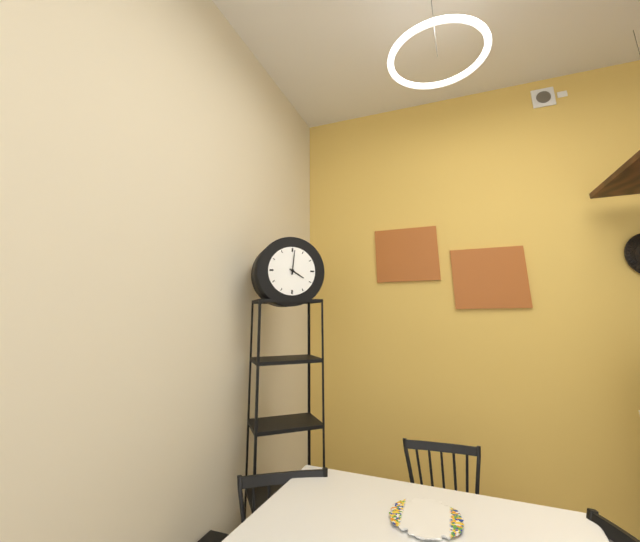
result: 4 h 01 min
